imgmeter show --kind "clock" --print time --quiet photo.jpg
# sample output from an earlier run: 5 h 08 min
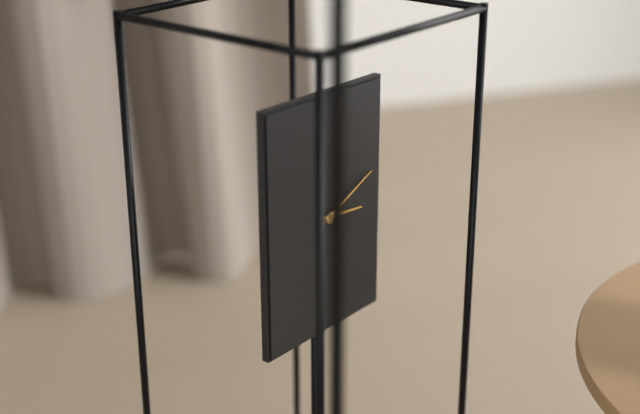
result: 3 h 11 min
